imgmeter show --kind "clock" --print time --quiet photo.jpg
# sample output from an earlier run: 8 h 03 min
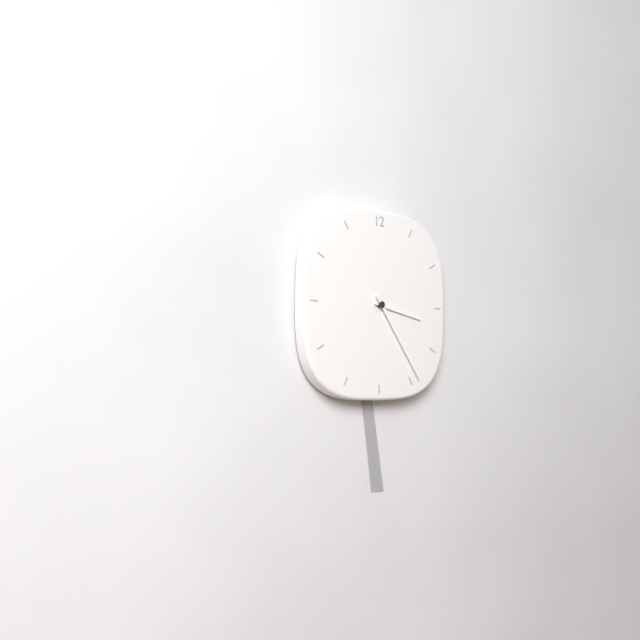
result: 3 h 24 min
